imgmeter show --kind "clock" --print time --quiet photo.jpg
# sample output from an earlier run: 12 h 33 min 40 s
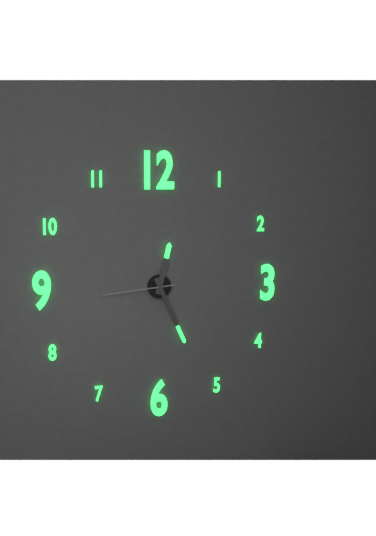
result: 12 h 26 min 44 s
